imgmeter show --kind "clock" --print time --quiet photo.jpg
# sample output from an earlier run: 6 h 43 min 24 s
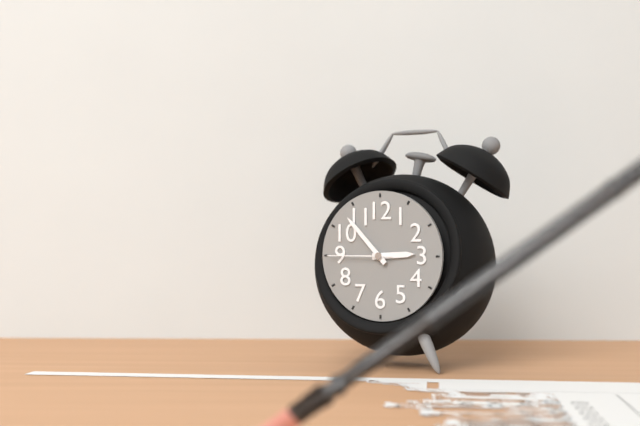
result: 2 h 53 min 45 s
